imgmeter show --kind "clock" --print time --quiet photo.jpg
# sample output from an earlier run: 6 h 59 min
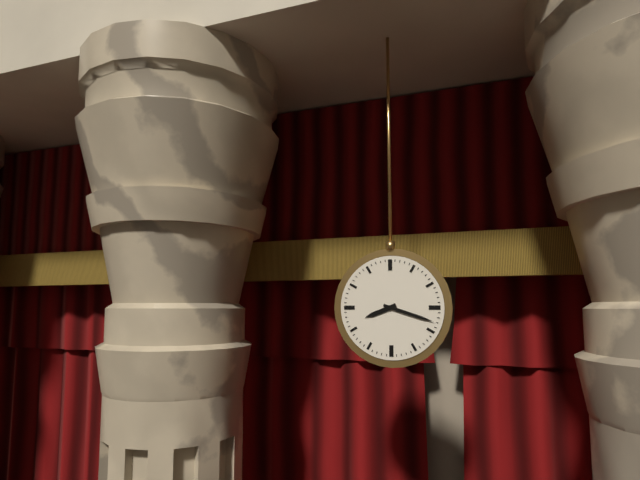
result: 8 h 18 min
